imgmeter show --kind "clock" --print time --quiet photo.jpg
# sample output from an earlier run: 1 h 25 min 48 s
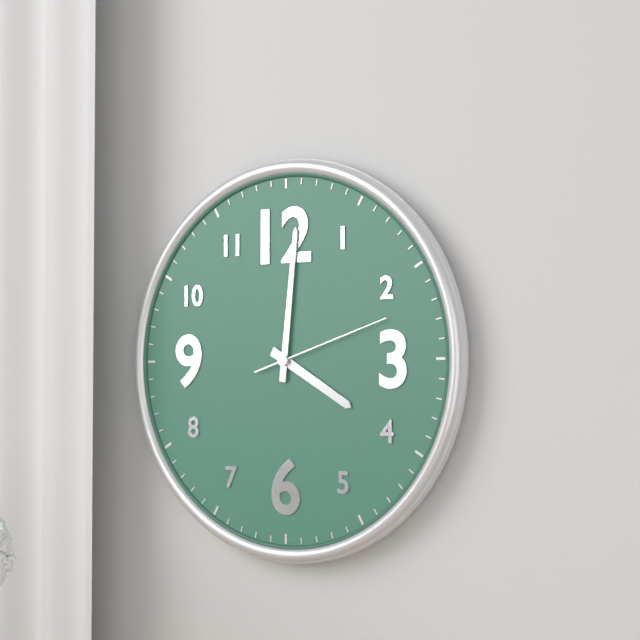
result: 4 h 01 min 12 s
